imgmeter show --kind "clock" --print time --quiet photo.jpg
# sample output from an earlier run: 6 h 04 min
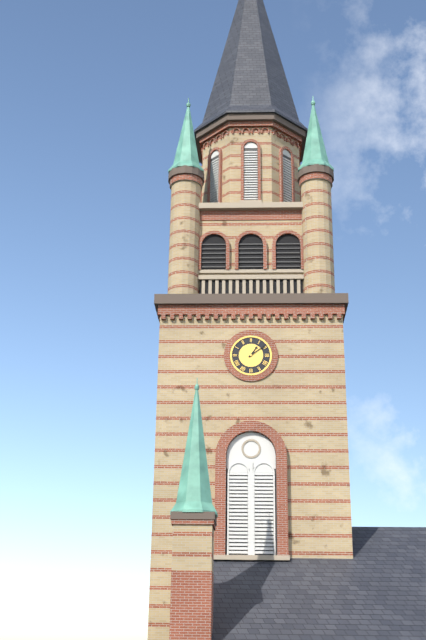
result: 1 h 09 min
